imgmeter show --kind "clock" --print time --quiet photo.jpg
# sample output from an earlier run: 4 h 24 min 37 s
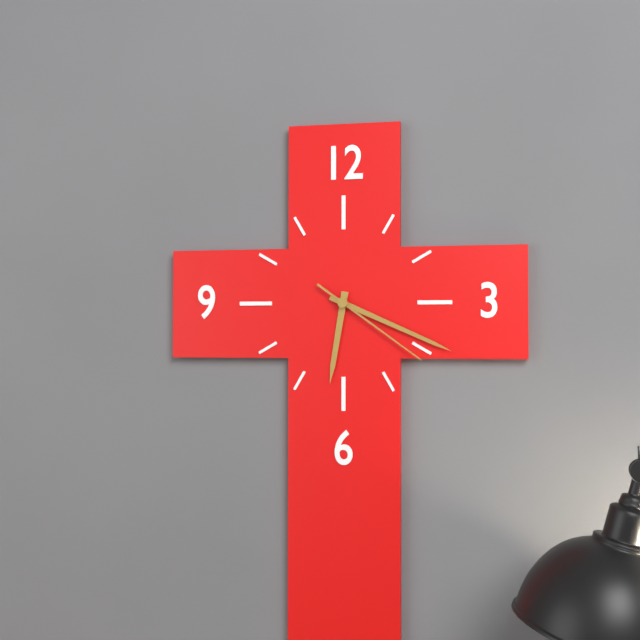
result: 6 h 19 min 21 s
